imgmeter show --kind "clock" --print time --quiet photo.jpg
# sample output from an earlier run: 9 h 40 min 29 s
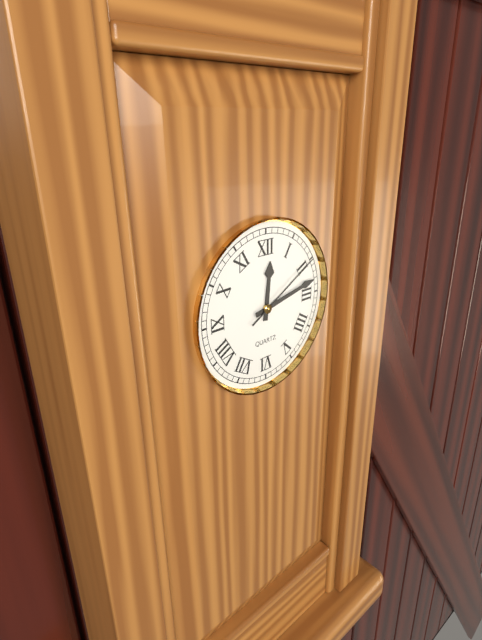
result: 12 h 13 min 10 s
